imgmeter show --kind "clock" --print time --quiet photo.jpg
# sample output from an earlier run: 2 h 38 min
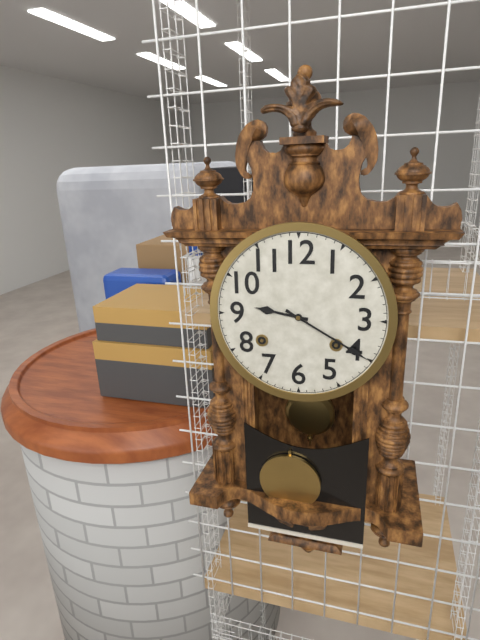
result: 9 h 20 min
